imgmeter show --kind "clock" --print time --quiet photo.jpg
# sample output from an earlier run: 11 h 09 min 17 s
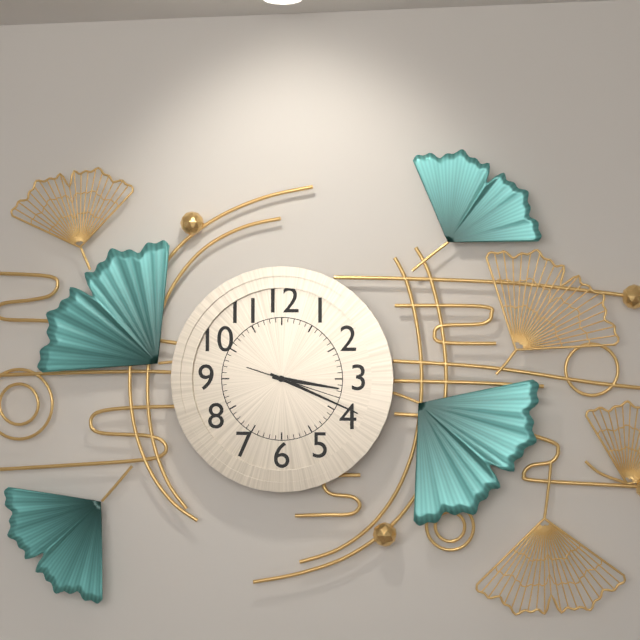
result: 3 h 19 min 18 s
